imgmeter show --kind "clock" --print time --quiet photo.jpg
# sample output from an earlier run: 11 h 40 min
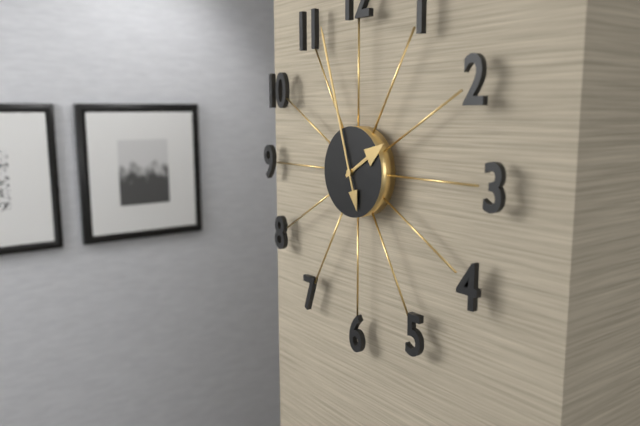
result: 1 h 57 min
